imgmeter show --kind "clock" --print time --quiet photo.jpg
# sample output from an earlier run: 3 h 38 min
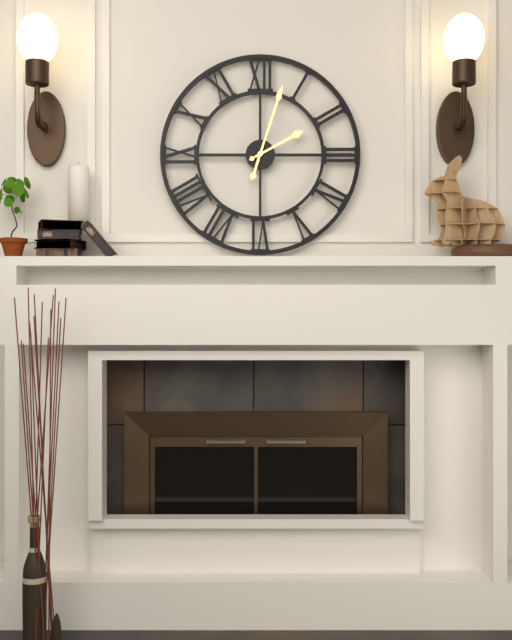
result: 2 h 03 min
